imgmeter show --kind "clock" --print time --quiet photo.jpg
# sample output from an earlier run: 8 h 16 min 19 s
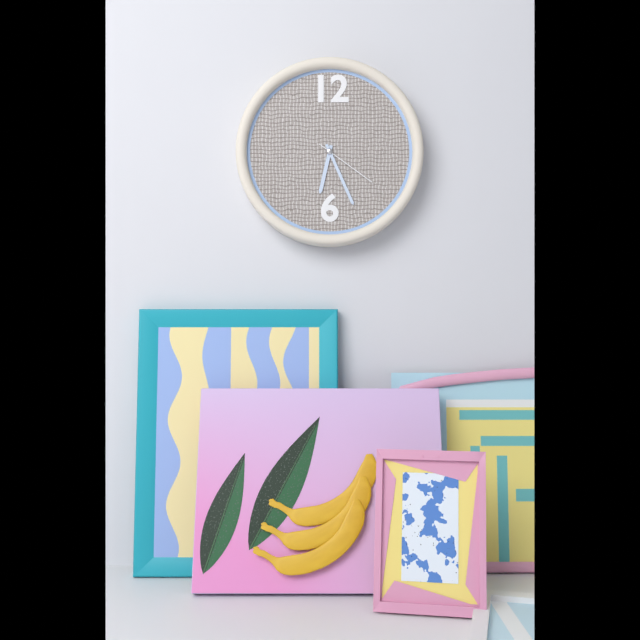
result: 6 h 26 min 21 s
